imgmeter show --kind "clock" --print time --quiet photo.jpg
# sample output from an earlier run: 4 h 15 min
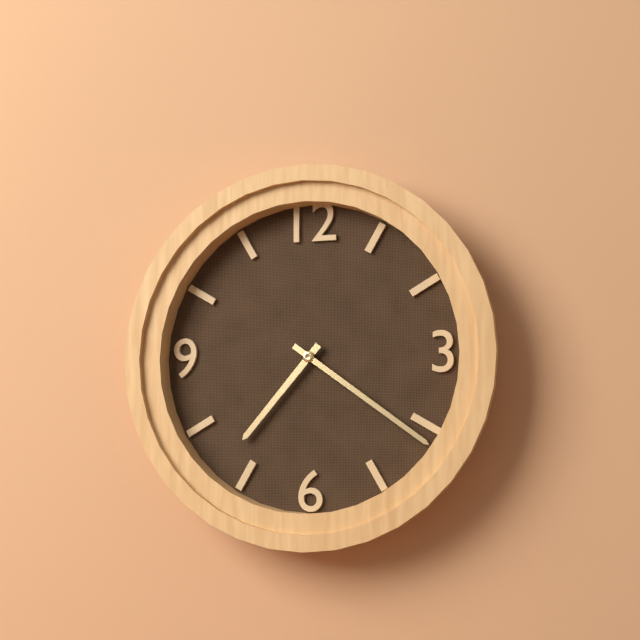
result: 7 h 21 min
